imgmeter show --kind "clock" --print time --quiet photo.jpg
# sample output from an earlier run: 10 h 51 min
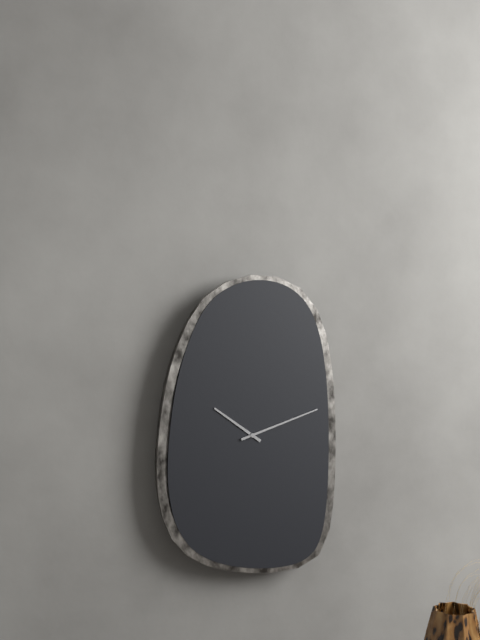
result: 10 h 12 min
